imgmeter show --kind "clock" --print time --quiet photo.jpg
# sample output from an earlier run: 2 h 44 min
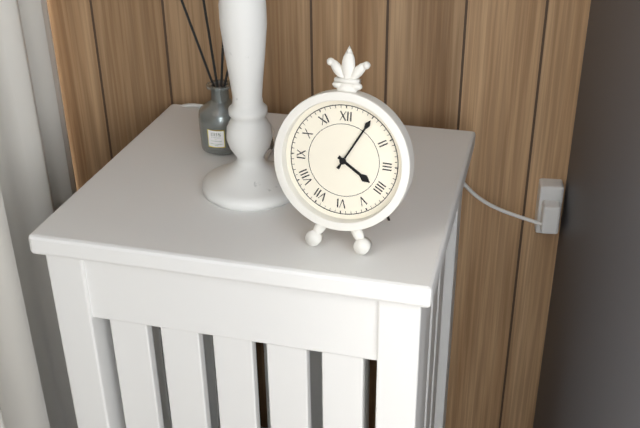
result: 4 h 05 min
